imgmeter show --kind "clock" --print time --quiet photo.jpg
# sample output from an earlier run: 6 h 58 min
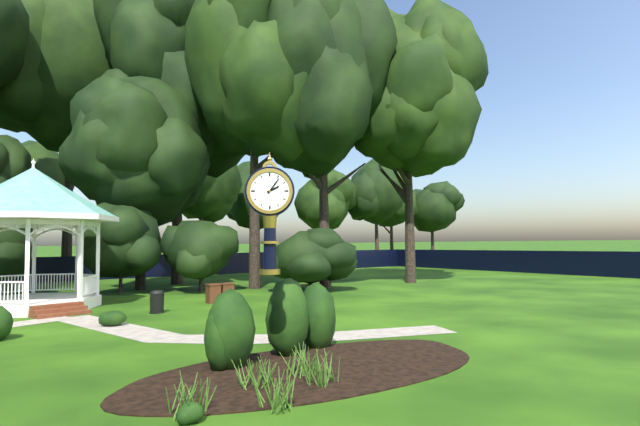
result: 2 h 06 min
